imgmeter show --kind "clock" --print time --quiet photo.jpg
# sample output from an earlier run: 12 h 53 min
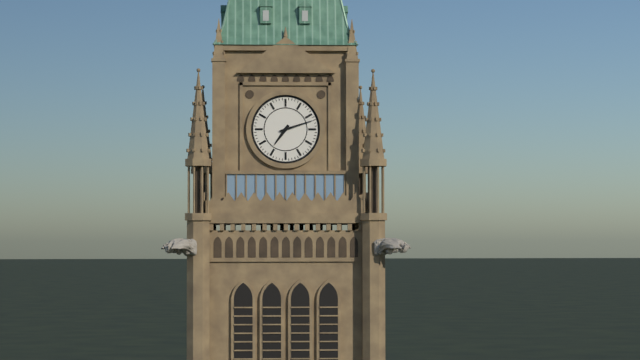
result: 7 h 12 min
